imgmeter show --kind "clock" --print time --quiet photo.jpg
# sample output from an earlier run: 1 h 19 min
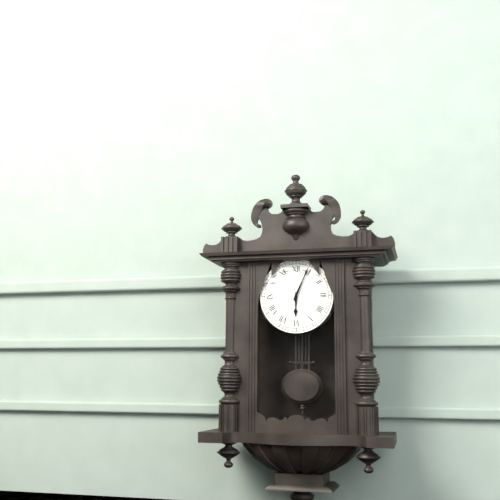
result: 6 h 04 min
